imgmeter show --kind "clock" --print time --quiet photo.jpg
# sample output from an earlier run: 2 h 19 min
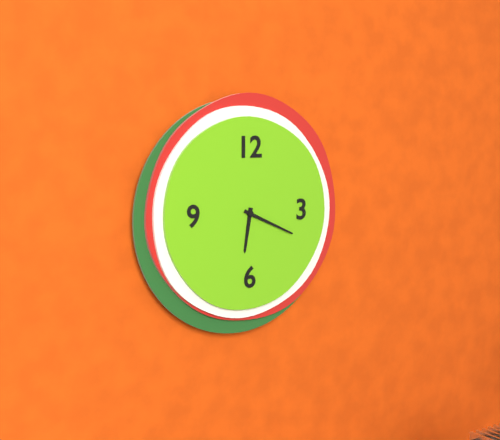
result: 6 h 19 min
